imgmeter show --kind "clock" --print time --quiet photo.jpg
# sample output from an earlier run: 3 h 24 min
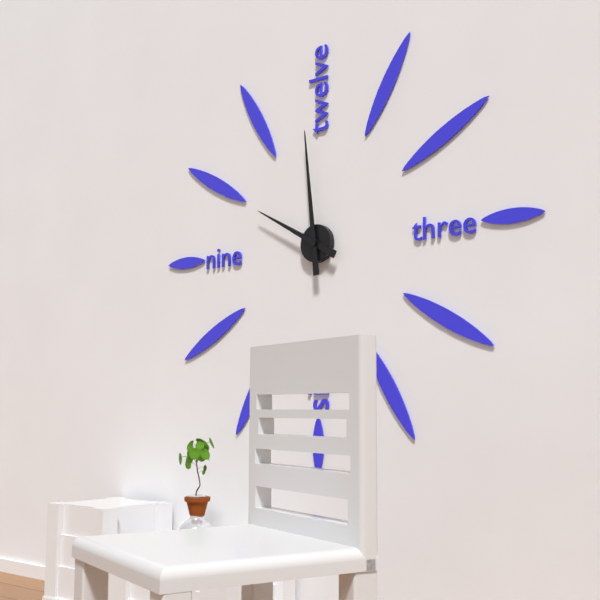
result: 9 h 59 min
